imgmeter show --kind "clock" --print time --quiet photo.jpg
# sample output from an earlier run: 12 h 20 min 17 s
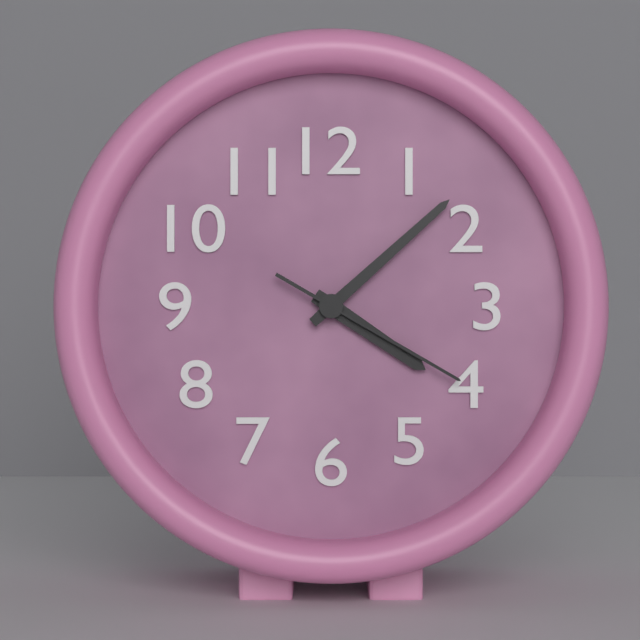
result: 4 h 08 min 20 s
